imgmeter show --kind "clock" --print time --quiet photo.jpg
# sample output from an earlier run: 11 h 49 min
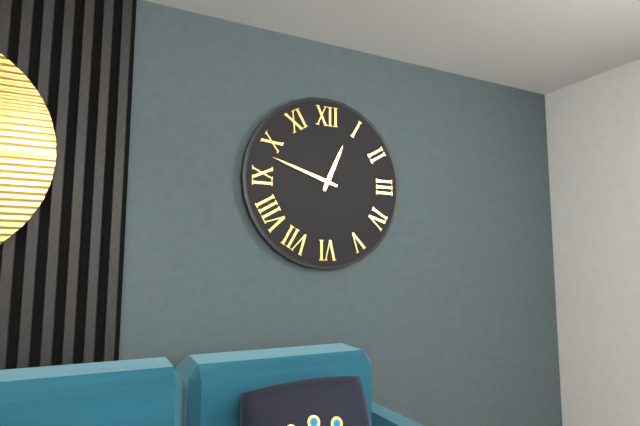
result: 12 h 48 min
